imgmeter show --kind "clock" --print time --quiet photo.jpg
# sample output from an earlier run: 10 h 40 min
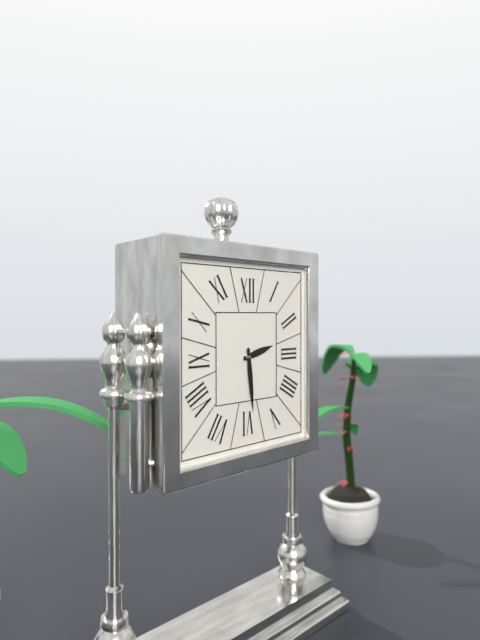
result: 2 h 29 min
